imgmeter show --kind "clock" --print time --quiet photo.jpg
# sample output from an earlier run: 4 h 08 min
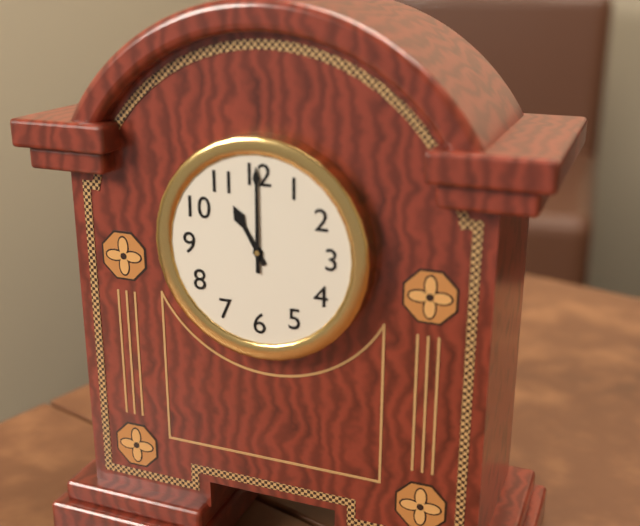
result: 11 h 00 min
